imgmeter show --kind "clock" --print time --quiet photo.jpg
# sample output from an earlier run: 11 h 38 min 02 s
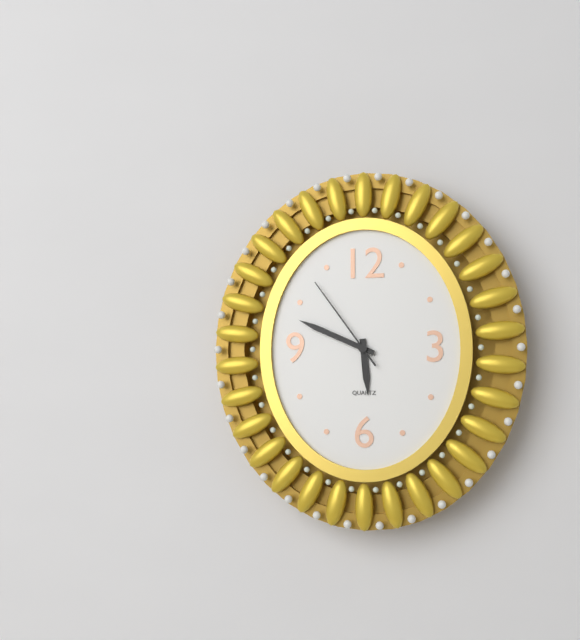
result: 5 h 49 min 54 s
